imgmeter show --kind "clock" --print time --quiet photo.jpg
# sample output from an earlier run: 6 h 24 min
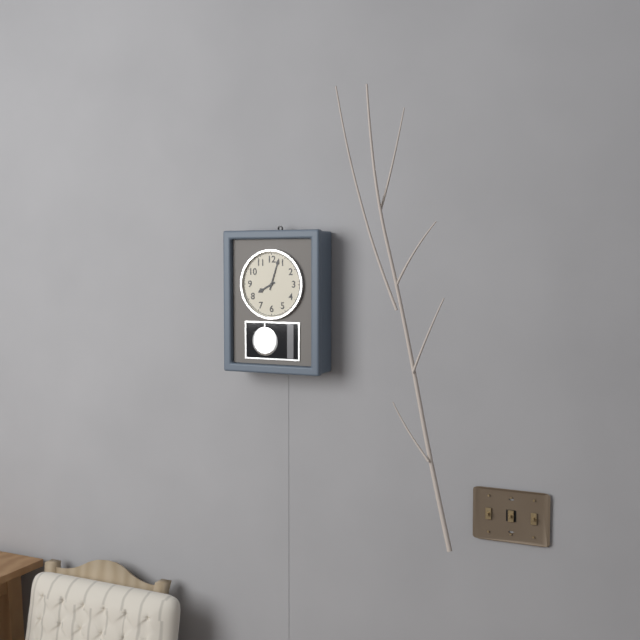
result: 8 h 03 min
